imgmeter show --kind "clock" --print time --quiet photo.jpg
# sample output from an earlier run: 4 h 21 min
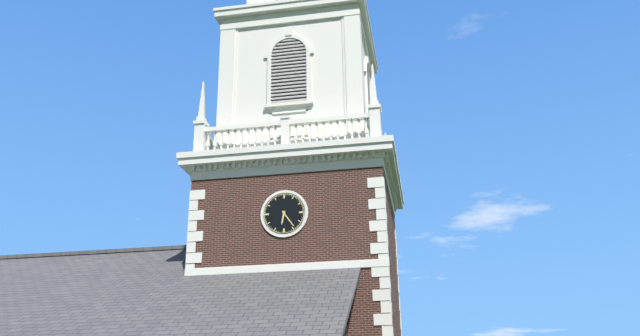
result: 6 h 24 min
